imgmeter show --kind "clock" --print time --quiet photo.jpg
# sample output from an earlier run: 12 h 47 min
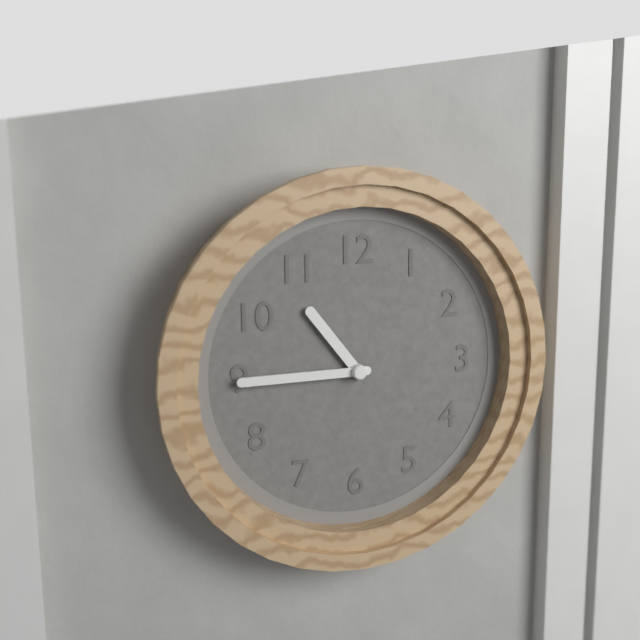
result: 10 h 45 min
